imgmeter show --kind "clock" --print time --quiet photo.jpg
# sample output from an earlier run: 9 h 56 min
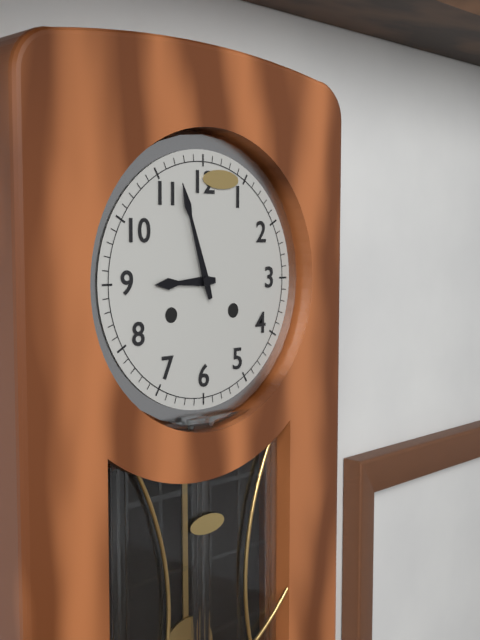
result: 8 h 57 min
